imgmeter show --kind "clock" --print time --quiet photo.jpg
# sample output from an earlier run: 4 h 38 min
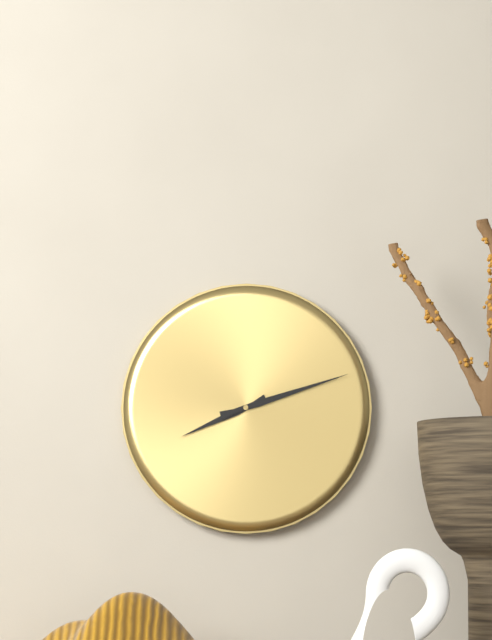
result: 8 h 12 min
